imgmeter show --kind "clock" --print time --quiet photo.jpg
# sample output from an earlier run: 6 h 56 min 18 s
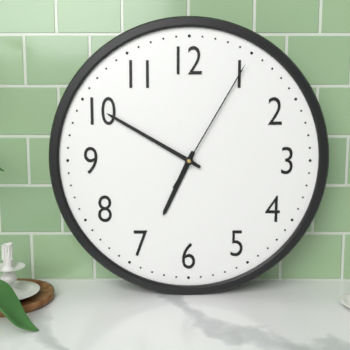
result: 6 h 50 min 05 s
